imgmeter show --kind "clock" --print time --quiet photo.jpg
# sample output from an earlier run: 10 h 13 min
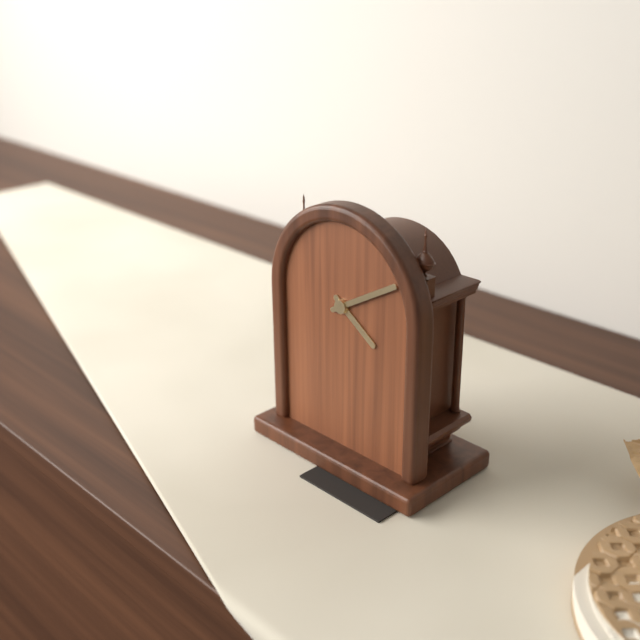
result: 4 h 10 min
